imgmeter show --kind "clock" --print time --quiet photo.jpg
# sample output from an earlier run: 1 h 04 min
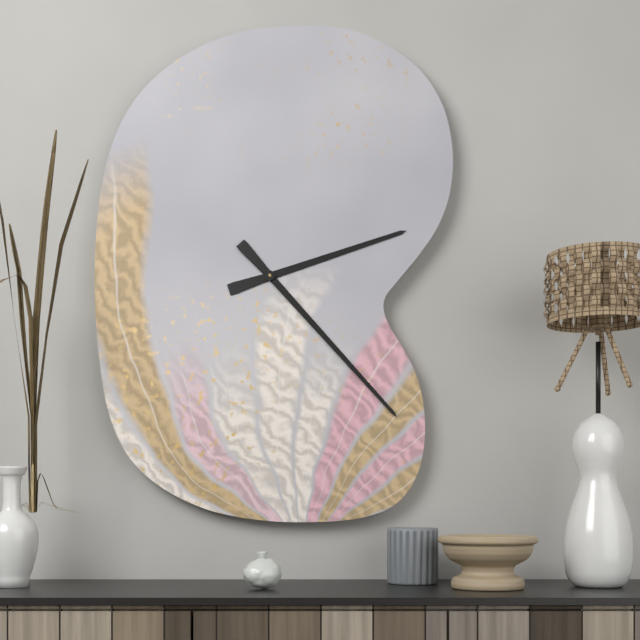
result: 2 h 23 min
